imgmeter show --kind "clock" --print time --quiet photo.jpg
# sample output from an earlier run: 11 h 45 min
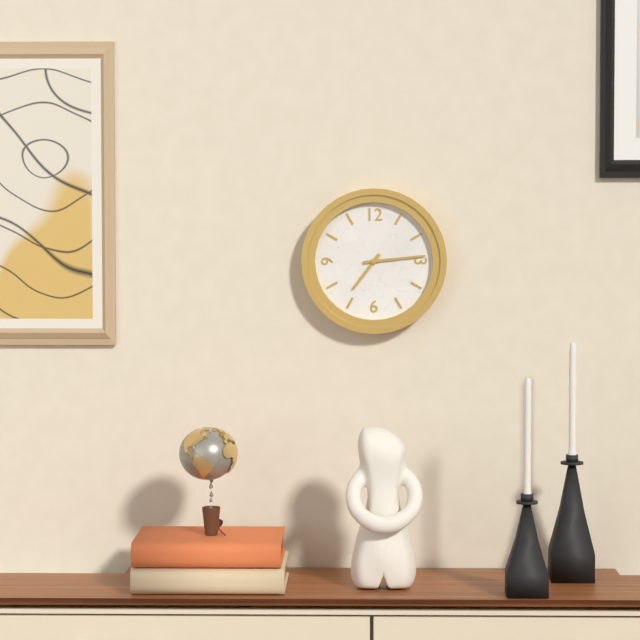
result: 7 h 14 min
